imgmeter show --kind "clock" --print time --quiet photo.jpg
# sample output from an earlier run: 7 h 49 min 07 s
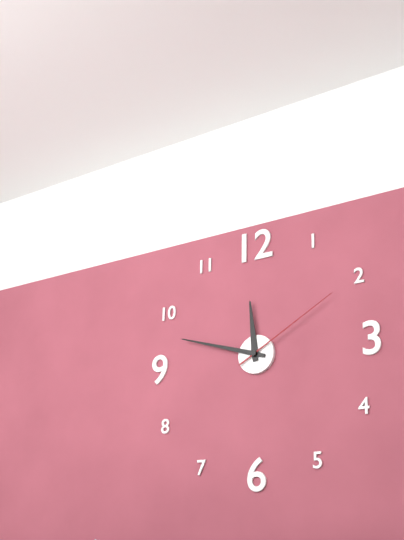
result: 11 h 48 min 10 s
